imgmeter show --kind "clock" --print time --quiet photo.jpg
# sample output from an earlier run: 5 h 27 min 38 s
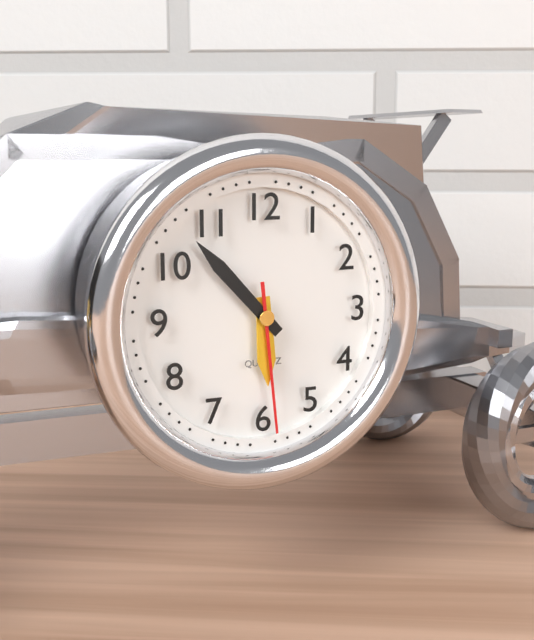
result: 5 h 53 min 29 s
